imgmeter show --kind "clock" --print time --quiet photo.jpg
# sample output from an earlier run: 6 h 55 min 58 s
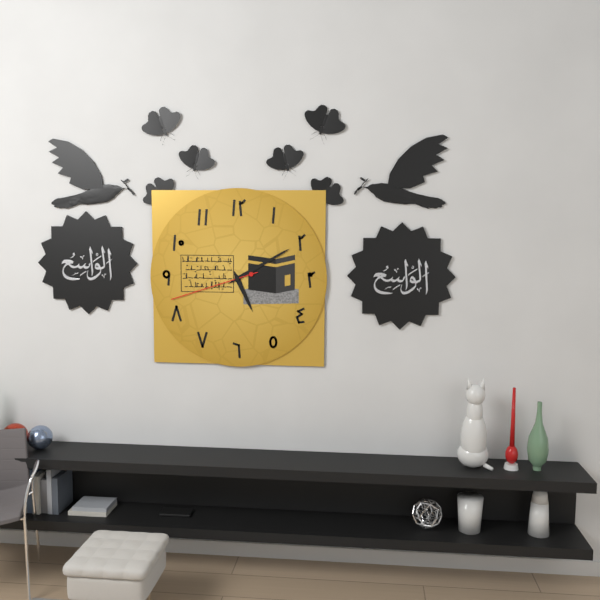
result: 5 h 10 min 42 s
